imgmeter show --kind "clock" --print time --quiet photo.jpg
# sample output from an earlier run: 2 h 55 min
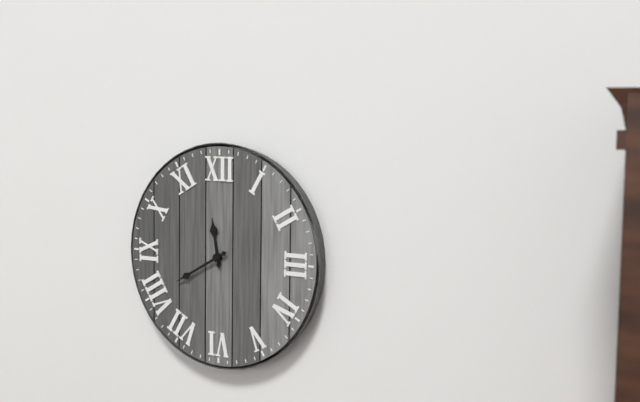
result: 11 h 40 min
